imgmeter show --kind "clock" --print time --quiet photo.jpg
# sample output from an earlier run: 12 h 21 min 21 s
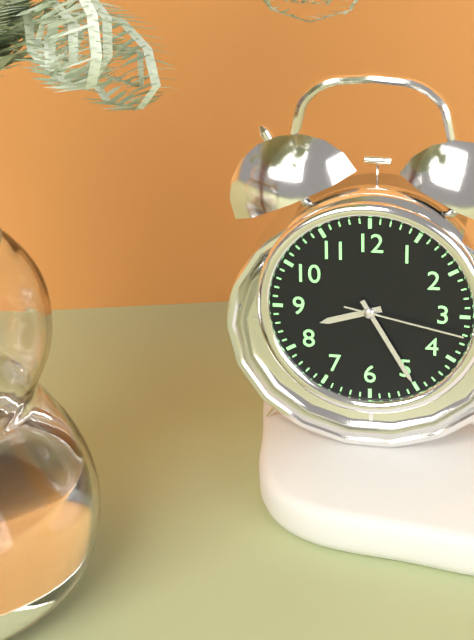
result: 8 h 25 min 17 s
